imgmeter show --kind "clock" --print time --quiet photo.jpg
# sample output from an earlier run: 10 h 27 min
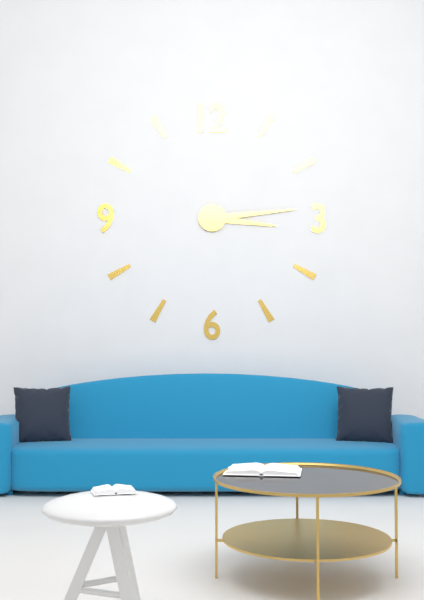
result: 3 h 14 min
